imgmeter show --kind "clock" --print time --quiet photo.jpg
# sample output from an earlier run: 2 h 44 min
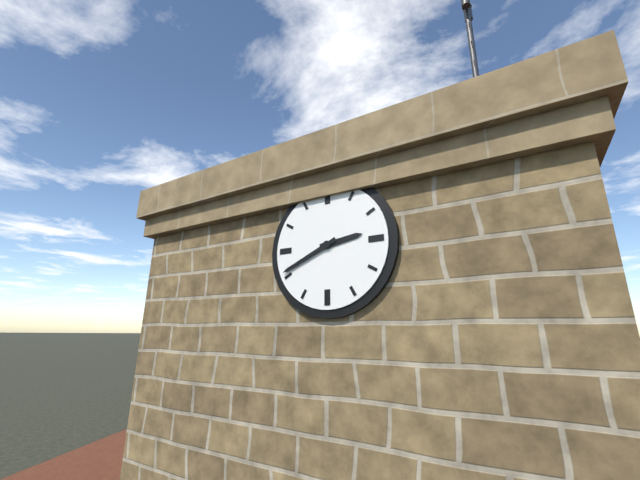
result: 2 h 41 min
